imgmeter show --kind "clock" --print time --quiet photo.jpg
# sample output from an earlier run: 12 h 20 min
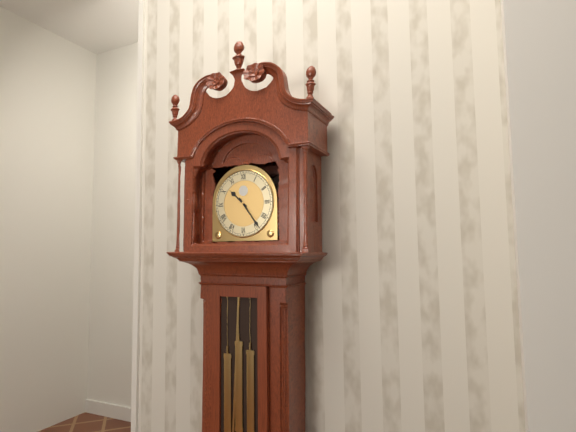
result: 10 h 24 min
